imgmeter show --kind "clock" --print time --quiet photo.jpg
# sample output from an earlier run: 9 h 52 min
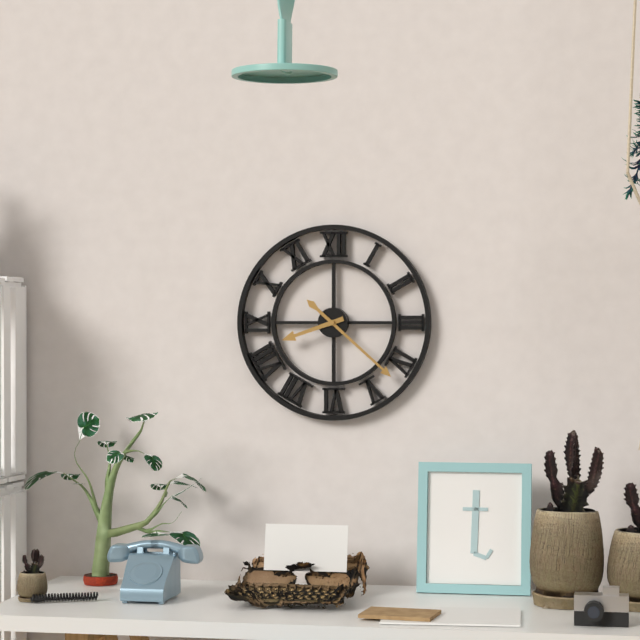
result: 8 h 22 min
